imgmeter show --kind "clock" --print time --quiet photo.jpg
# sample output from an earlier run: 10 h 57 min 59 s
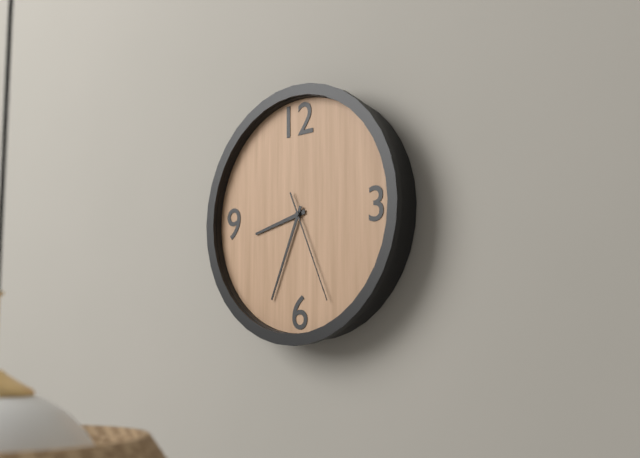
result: 8 h 34 min 26 s
